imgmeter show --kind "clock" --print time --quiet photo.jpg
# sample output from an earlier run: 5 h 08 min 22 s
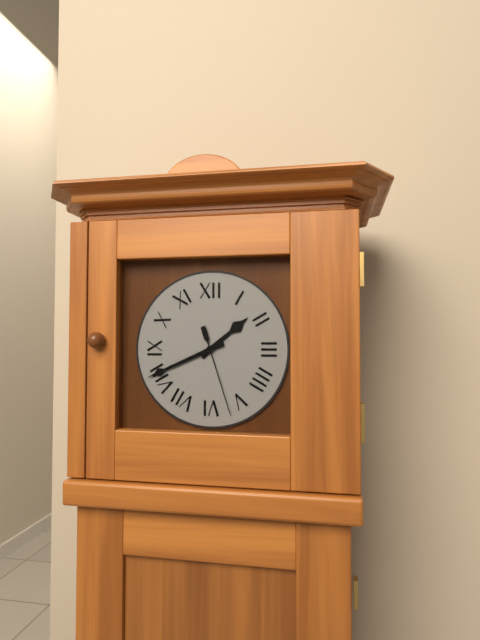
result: 1 h 41 min 27 s
